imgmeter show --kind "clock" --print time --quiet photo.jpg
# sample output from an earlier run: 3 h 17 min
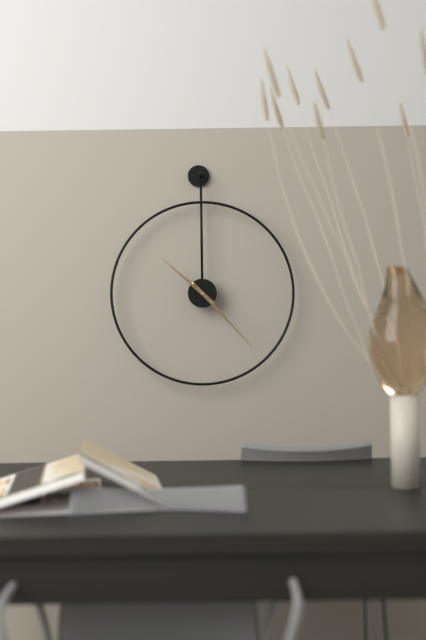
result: 10 h 23 min
